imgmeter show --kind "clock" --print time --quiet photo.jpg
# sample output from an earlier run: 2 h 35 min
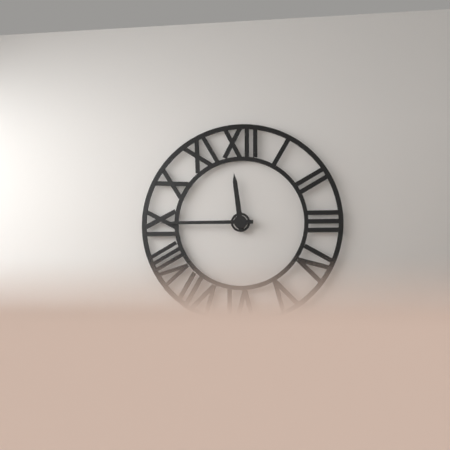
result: 11 h 45 min
